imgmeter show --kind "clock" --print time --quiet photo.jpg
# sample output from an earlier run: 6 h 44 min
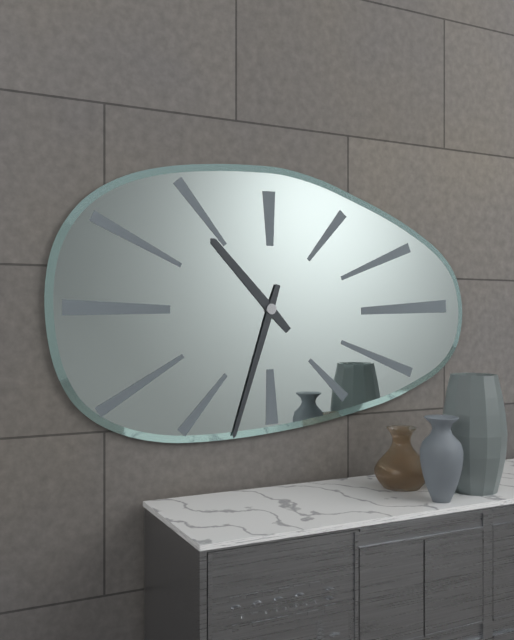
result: 10 h 33 min
